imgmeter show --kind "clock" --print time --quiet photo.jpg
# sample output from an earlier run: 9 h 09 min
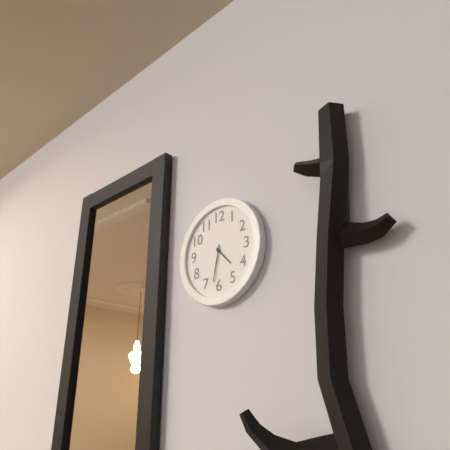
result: 4 h 32 min
